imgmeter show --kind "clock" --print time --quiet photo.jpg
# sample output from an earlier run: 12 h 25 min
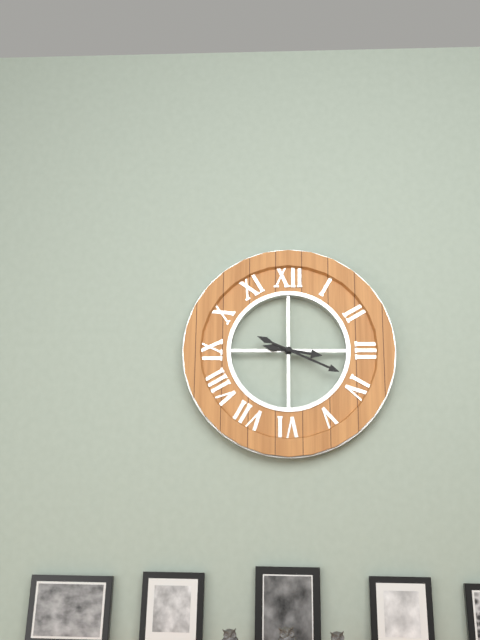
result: 3 h 19 min
